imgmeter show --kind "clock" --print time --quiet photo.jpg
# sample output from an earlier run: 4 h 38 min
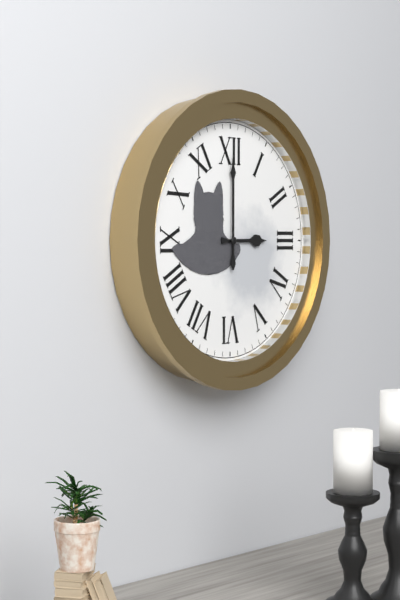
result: 3 h 00 min
